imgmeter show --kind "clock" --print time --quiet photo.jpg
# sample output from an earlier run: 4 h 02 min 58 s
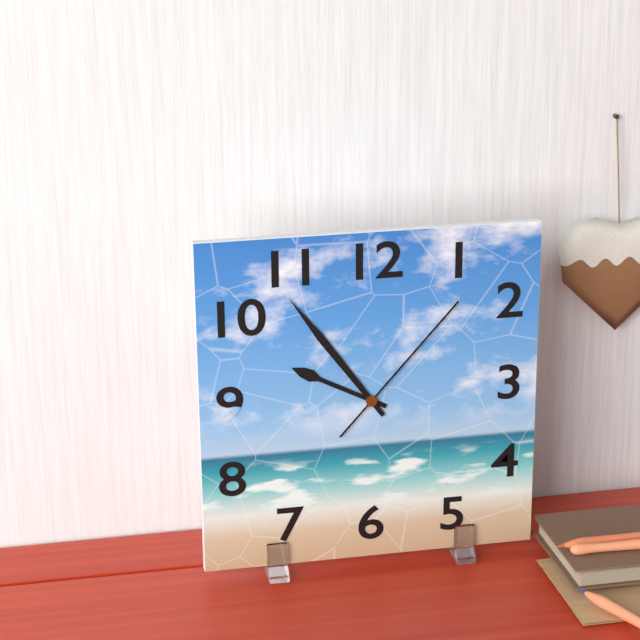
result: 9 h 54 min 07 s
